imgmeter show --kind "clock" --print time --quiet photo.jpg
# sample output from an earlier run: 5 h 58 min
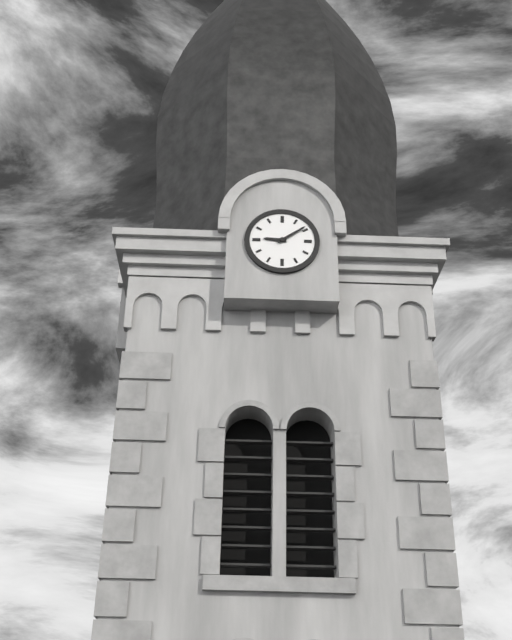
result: 9 h 09 min
